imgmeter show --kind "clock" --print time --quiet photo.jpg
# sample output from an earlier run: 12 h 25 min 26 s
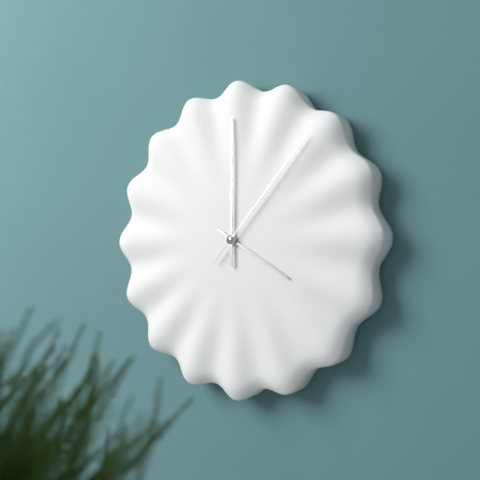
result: 4 h 00 min 07 s
